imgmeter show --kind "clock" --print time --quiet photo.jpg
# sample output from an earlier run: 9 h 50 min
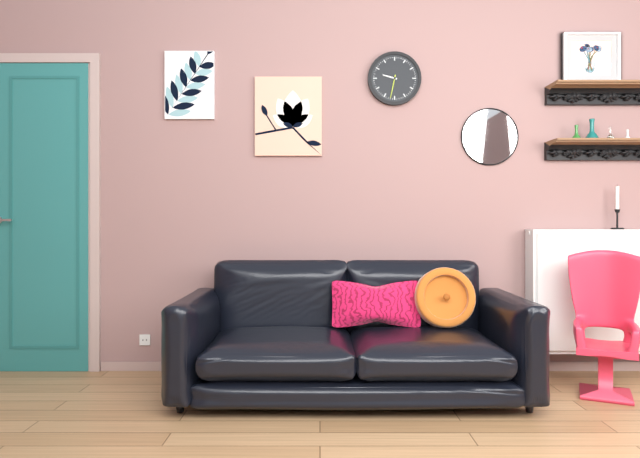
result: 9 h 32 min
